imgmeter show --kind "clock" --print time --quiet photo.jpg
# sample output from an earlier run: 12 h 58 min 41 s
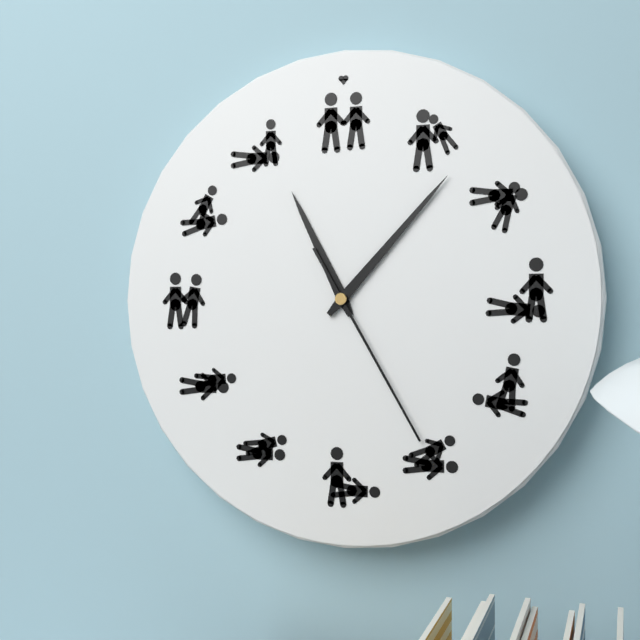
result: 11 h 07 min 25 s
